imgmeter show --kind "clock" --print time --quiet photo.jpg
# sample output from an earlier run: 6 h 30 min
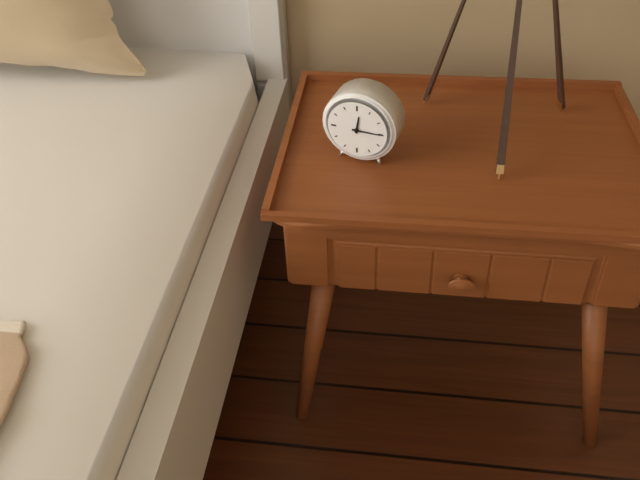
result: 12 h 15 min
